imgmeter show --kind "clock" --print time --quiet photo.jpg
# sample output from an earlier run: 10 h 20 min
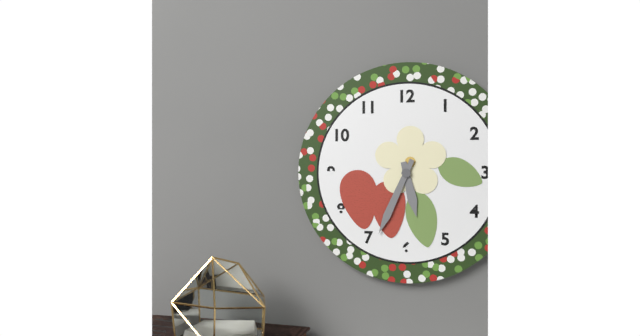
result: 5 h 34 min
